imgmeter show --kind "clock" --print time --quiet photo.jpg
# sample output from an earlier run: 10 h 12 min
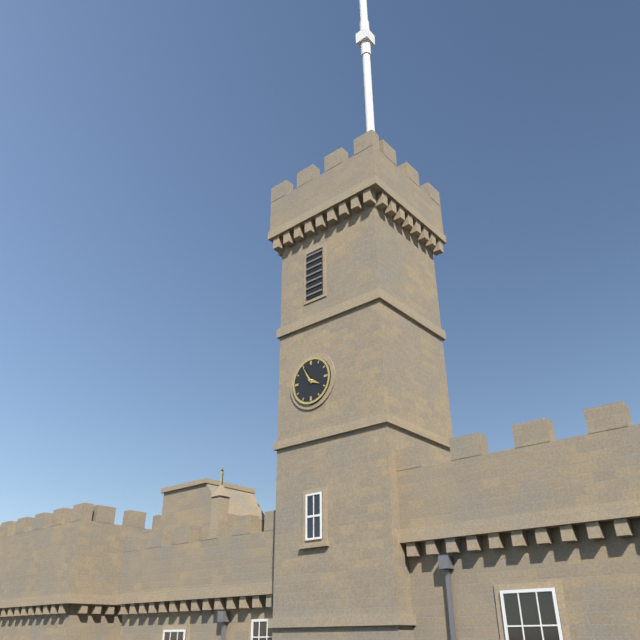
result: 3 h 55 min
